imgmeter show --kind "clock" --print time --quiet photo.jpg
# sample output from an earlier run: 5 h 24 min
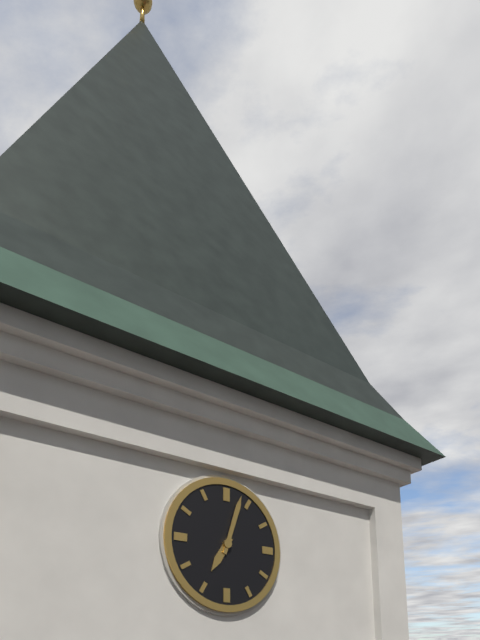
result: 7 h 03 min
